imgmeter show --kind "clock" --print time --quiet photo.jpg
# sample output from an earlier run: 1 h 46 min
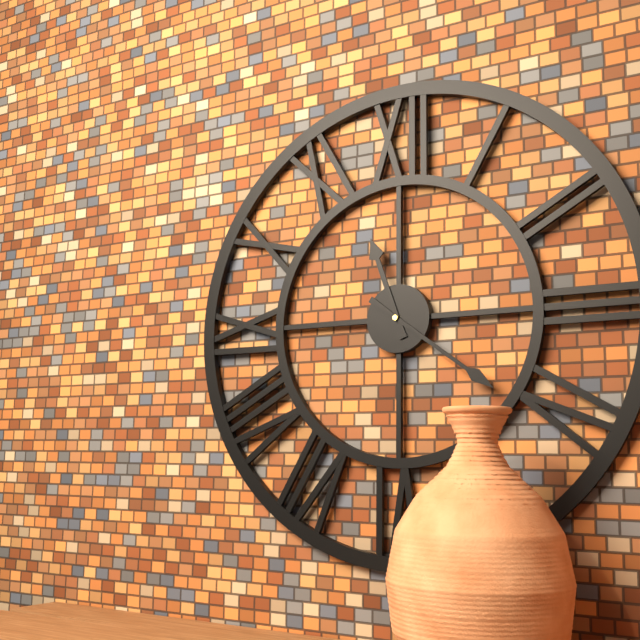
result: 11 h 21 min
